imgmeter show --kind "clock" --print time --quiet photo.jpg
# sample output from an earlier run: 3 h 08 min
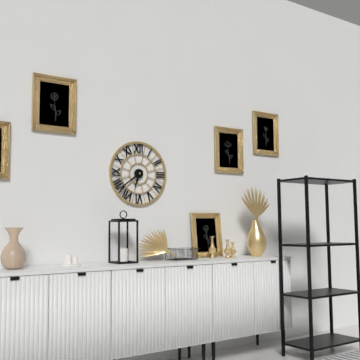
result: 6 h 39 min
